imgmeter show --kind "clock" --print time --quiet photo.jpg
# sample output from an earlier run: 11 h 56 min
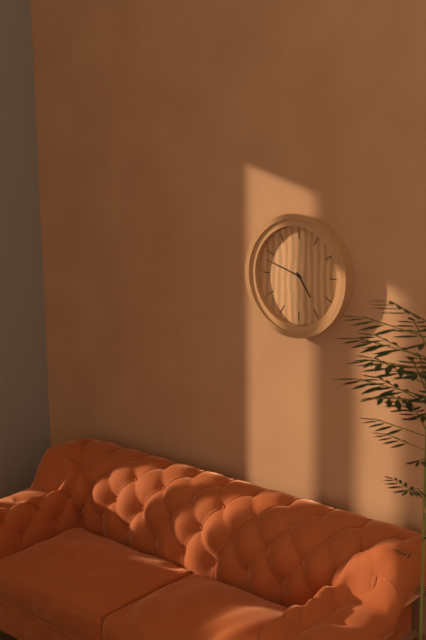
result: 4 h 48 min
